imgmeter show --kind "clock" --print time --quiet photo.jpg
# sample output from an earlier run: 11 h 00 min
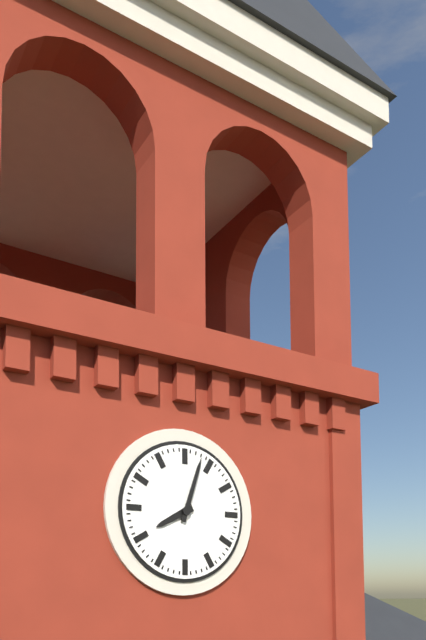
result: 8 h 03 min
